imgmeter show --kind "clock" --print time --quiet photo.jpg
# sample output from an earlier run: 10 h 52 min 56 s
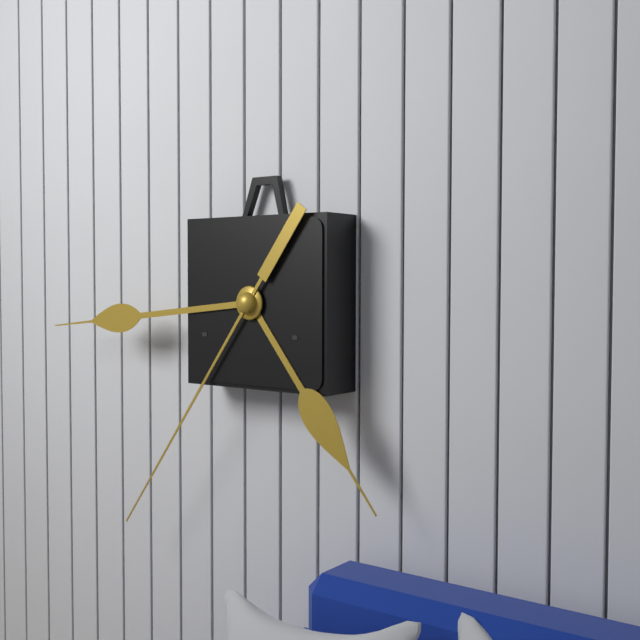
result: 4 h 44 min 36 s
